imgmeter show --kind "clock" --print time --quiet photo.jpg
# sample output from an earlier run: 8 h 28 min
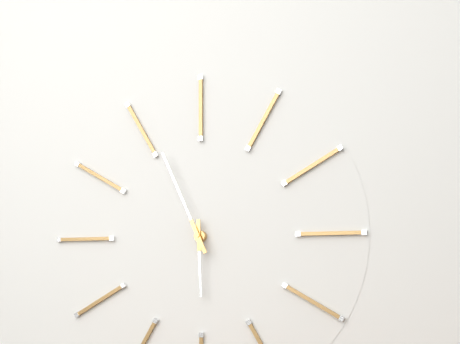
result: 5 h 56 min
